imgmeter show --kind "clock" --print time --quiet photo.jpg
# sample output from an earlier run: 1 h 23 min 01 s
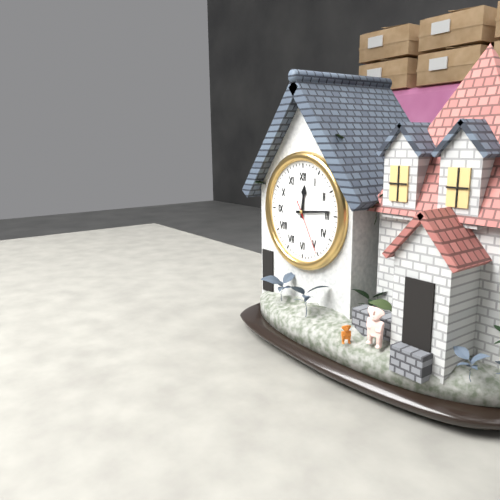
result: 12 h 14 min 25 s
